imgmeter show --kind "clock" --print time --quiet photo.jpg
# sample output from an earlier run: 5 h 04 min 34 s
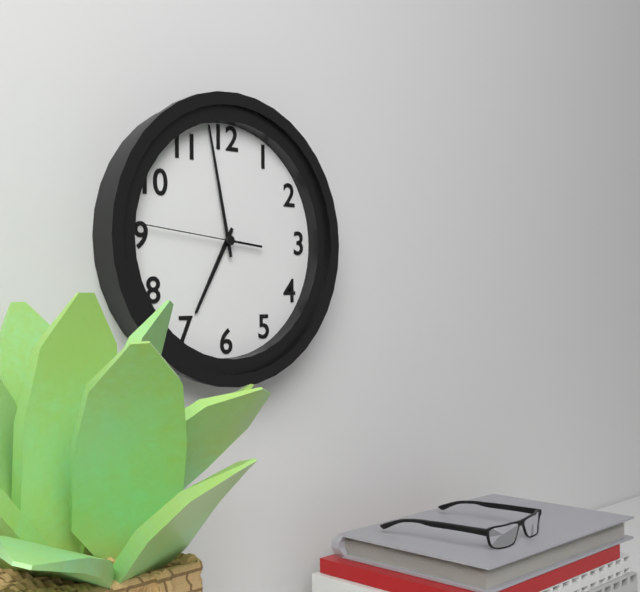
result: 6 h 58 min 46 s
